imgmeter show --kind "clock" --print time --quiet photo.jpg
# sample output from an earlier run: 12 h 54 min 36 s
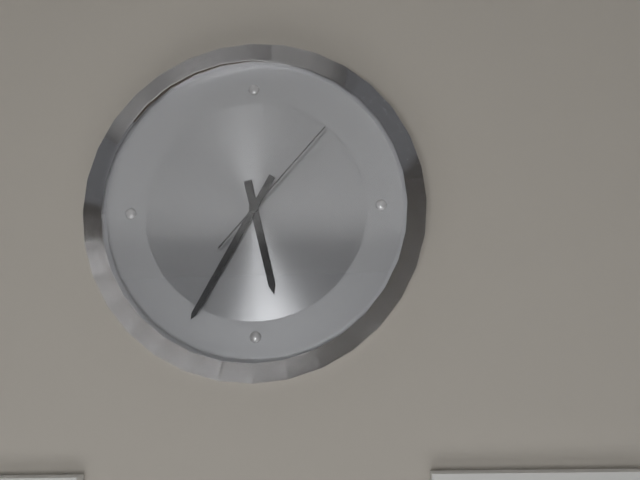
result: 5 h 35 min 07 s
